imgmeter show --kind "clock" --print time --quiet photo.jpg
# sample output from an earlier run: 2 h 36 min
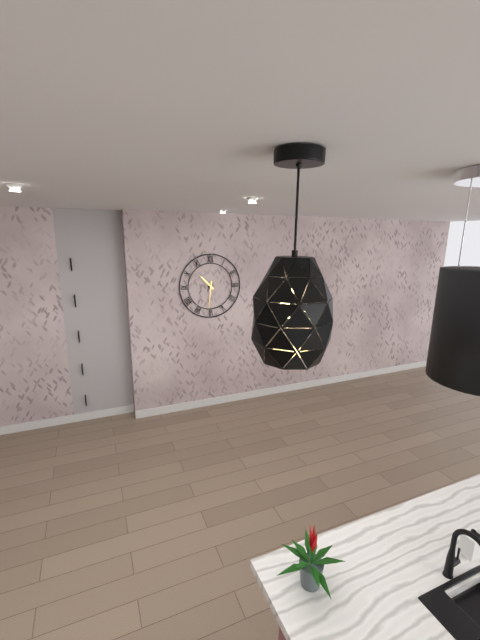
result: 10 h 31 min
